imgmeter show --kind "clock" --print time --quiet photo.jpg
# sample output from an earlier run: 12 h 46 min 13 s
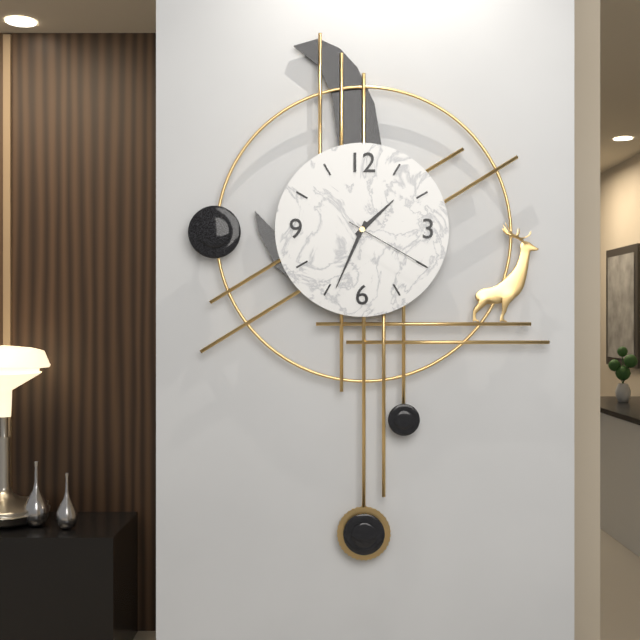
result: 1 h 34 min 20 s
